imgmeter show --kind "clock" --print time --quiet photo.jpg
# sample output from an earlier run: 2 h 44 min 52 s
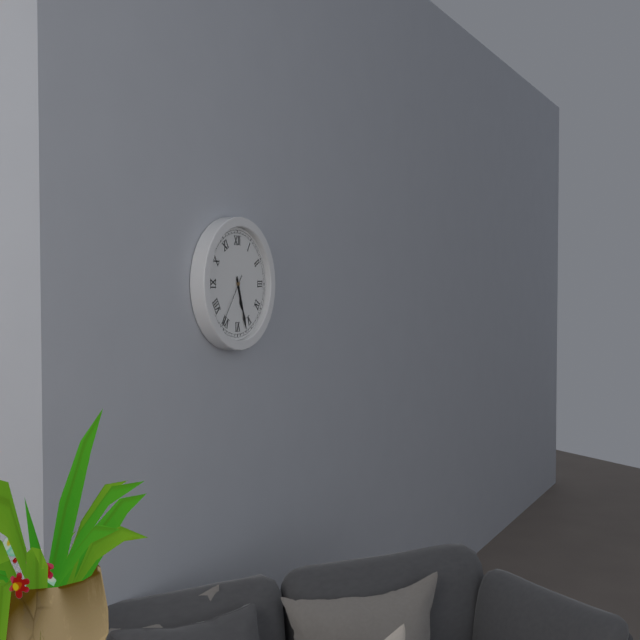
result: 5 h 27 min 36 s
